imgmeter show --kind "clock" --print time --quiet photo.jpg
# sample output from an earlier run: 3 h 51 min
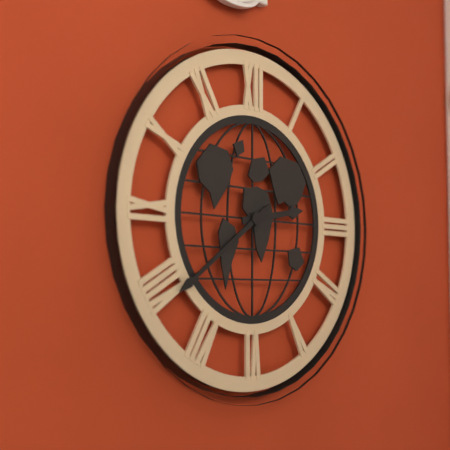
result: 2 h 39 min
